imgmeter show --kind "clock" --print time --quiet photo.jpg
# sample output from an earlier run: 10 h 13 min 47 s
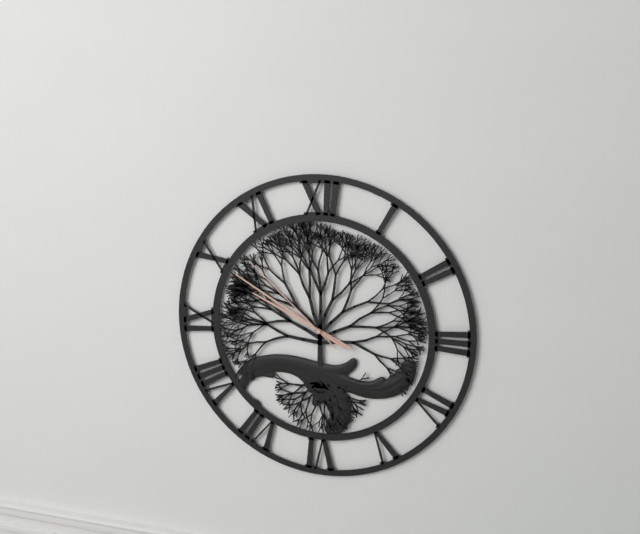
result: 9 h 50 min 52 s
